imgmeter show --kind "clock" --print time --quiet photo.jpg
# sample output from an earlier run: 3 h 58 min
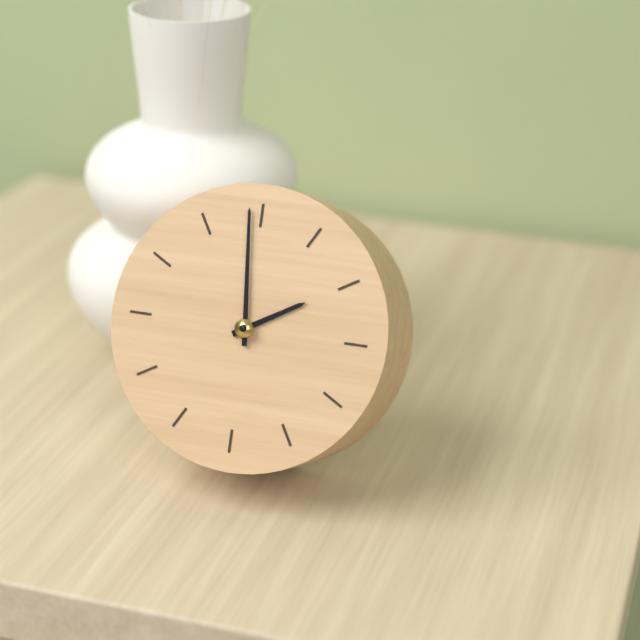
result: 1 h 59 min
